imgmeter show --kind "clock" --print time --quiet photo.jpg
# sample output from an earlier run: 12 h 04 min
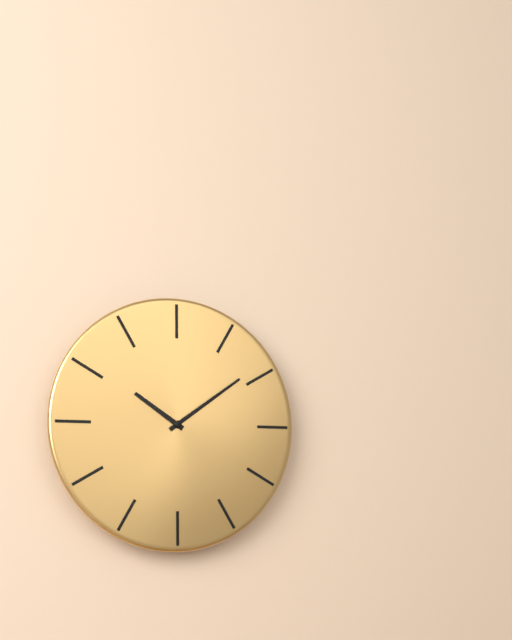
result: 10 h 09 min
